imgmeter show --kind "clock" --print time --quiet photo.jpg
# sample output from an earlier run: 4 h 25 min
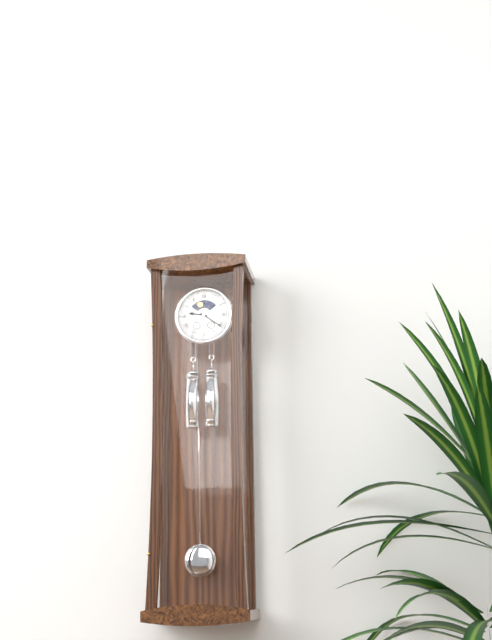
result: 9 h 21 min
